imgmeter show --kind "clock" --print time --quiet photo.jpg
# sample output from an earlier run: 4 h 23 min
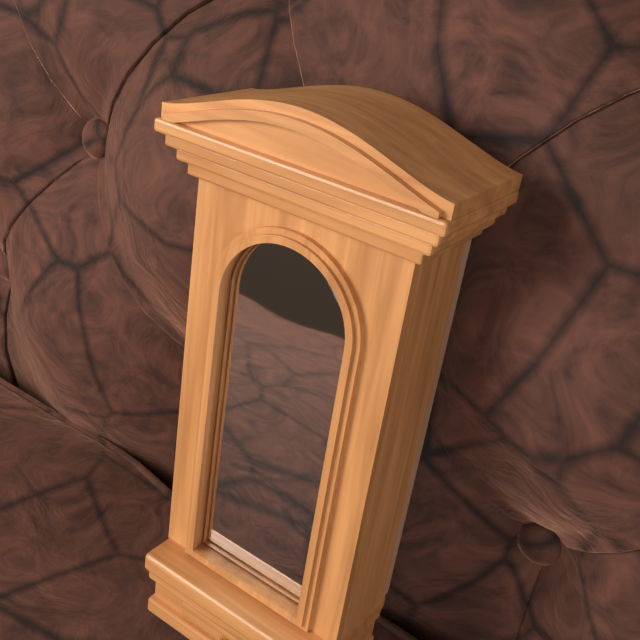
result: 1 h 36 min
